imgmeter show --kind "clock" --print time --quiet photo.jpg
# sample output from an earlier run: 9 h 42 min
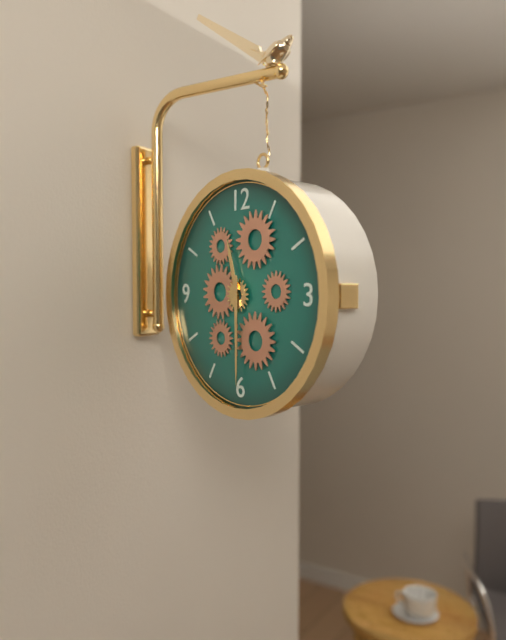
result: 11 h 30 min
